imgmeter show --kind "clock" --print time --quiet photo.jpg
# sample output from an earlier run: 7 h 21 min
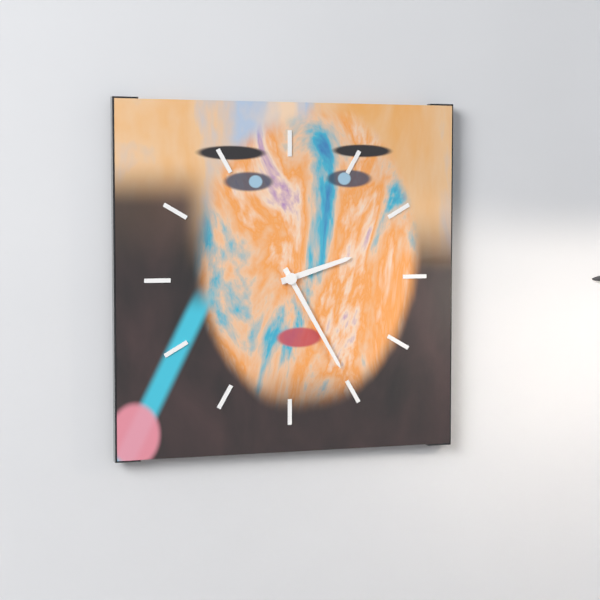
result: 2 h 25 min
